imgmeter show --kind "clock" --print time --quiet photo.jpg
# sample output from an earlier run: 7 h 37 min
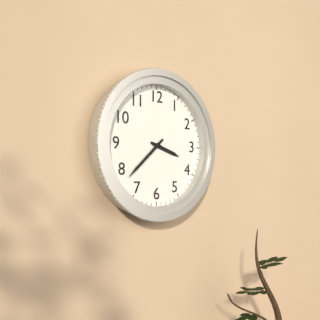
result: 3 h 38 min
